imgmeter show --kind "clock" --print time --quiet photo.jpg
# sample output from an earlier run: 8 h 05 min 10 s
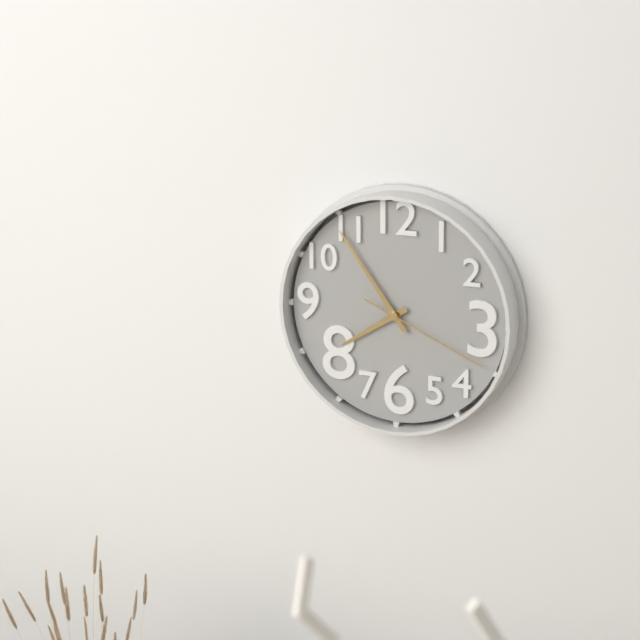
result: 7 h 54 min 19 s
